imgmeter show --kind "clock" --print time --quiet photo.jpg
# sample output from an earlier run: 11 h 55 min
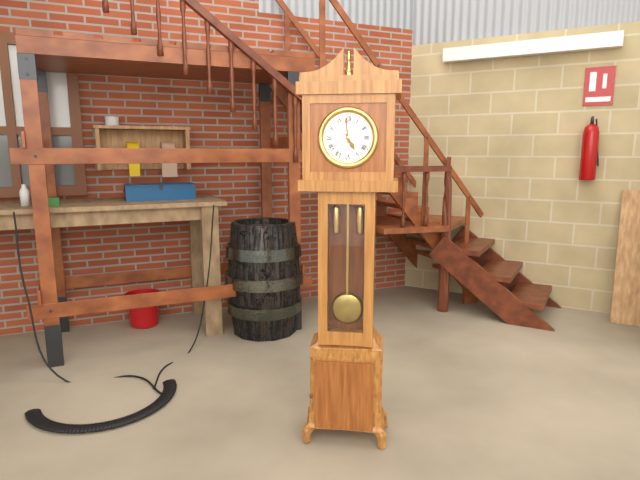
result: 4 h 59 min
